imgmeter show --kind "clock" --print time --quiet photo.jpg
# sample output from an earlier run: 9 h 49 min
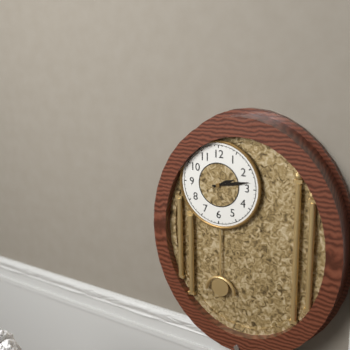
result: 2 h 13 min
